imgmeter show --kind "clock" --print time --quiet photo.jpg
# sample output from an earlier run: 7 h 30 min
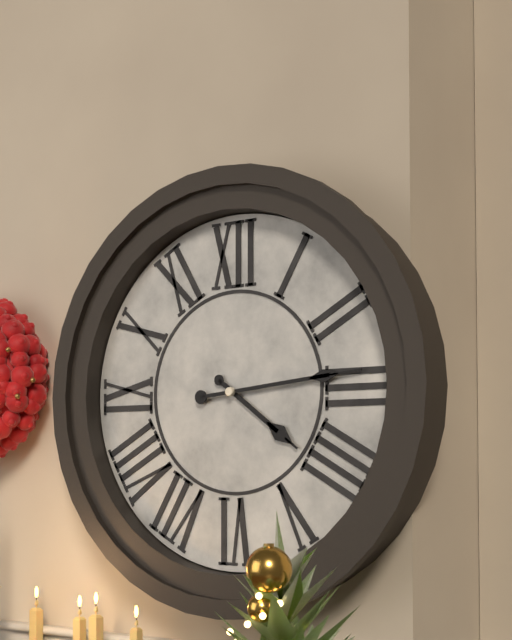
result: 4 h 14 min
